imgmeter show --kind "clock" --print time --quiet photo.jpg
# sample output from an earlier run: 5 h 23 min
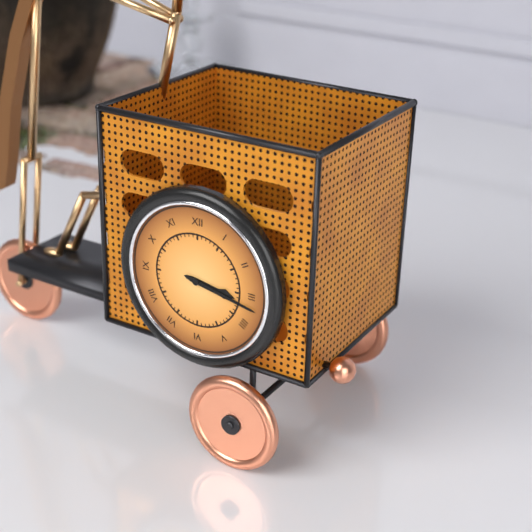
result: 3 h 17 min
